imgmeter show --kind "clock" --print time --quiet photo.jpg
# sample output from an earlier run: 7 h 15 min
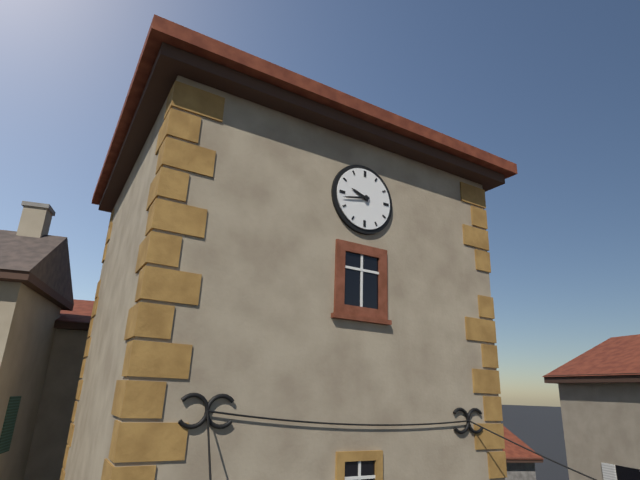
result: 9 h 43 min
